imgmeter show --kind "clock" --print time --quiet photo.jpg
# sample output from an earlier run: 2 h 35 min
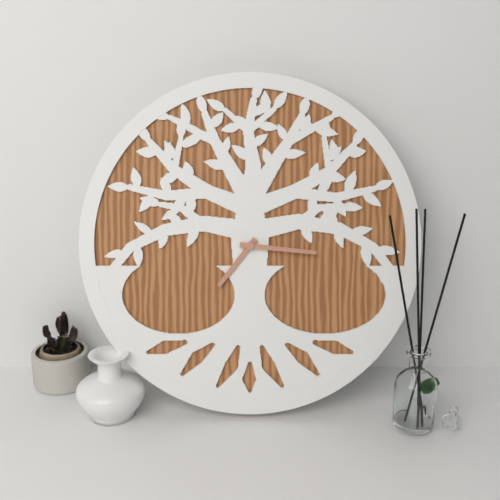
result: 7 h 16 min
